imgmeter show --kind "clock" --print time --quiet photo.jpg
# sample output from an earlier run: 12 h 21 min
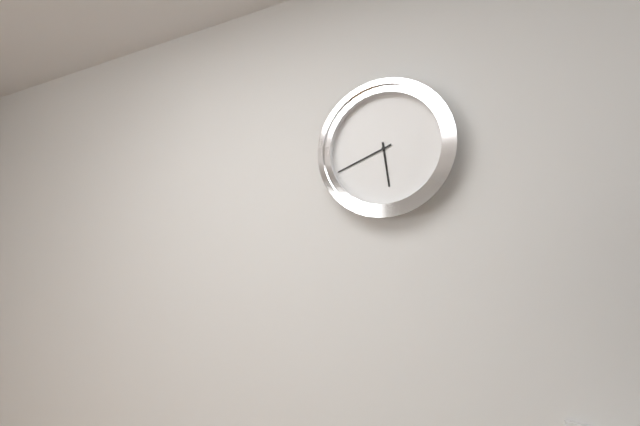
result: 5 h 41 min
